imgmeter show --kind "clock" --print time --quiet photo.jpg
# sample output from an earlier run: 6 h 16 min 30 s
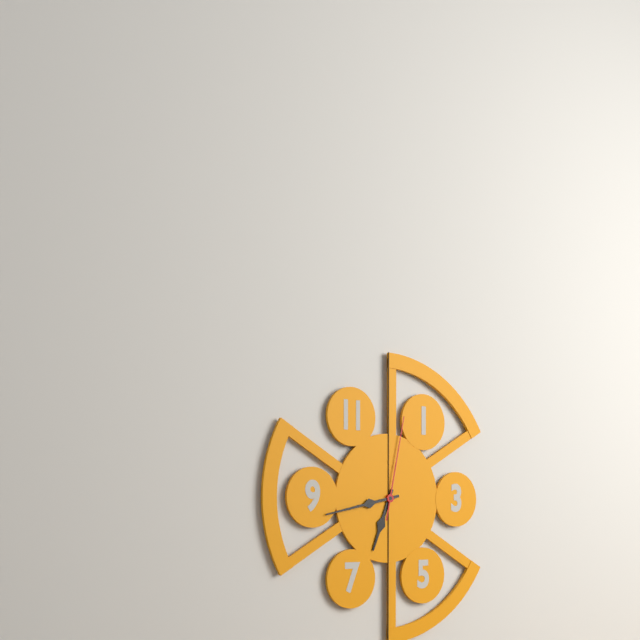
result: 6 h 43 min 02 s
